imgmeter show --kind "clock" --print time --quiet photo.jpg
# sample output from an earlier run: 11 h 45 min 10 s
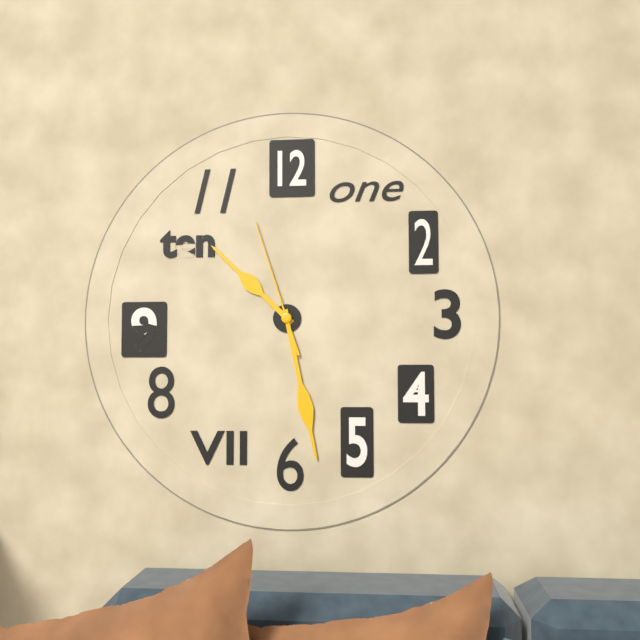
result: 10 h 28 min 57 s
